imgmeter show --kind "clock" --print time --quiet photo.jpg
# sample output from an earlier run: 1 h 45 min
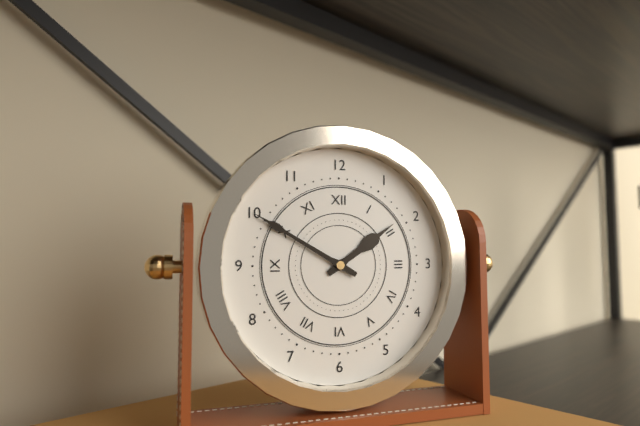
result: 1 h 50 min
